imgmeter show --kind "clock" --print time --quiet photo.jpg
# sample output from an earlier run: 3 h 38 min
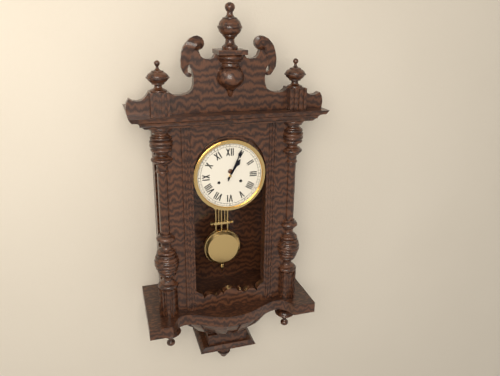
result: 1 h 04 min
